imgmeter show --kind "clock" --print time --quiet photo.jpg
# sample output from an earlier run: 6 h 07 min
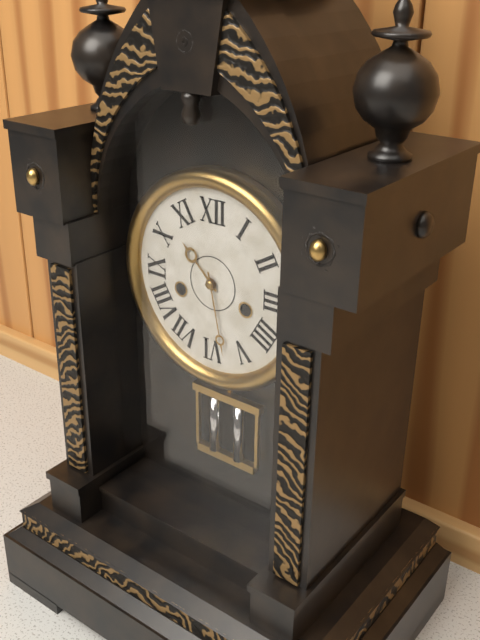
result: 10 h 28 min
